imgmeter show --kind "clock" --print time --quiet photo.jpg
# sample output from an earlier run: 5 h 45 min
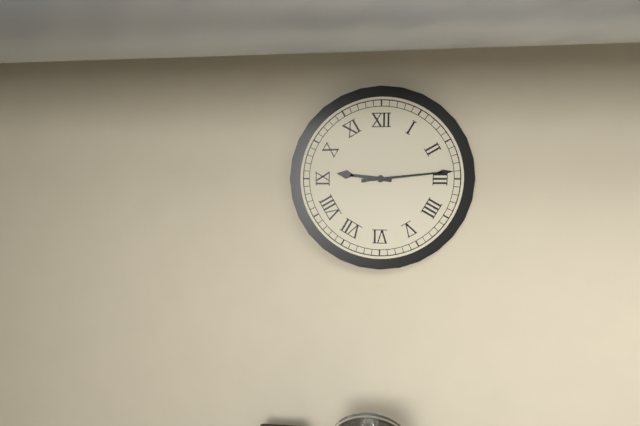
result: 9 h 14 min
